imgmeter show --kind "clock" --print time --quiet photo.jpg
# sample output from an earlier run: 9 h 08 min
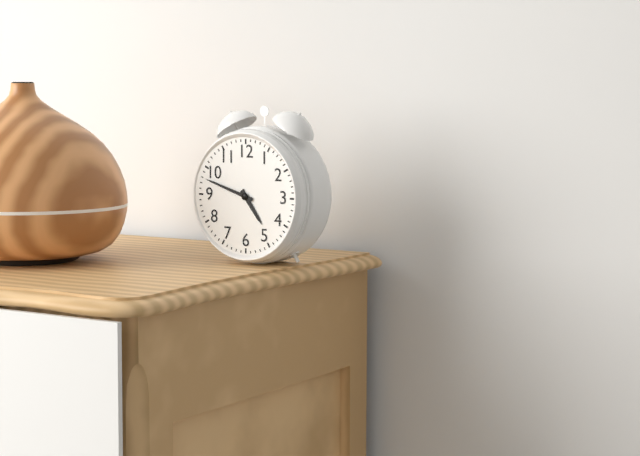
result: 4 h 48 min
